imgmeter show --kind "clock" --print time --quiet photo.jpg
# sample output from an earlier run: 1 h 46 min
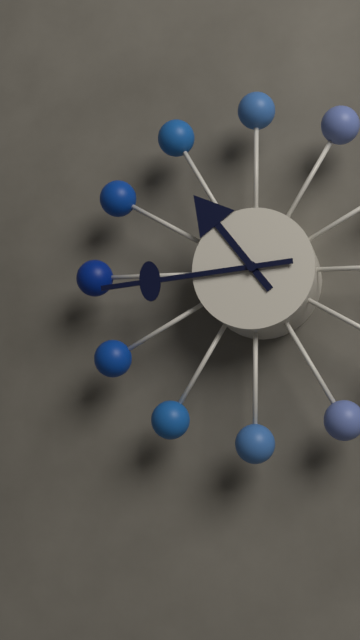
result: 10 h 44 min
